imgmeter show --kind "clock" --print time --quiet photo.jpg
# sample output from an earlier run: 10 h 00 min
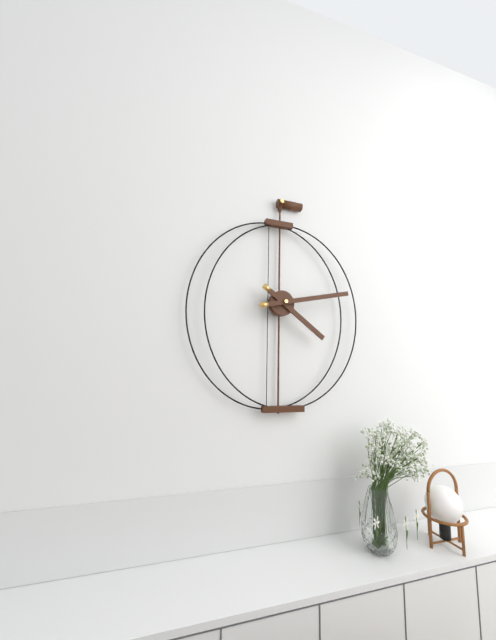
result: 4 h 13 min
